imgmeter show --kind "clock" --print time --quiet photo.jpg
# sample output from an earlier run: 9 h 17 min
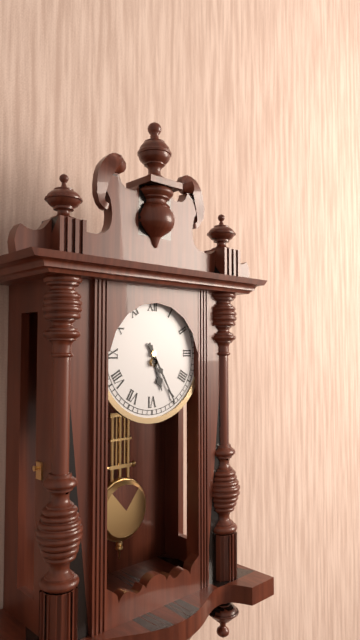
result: 5 h 25 min
